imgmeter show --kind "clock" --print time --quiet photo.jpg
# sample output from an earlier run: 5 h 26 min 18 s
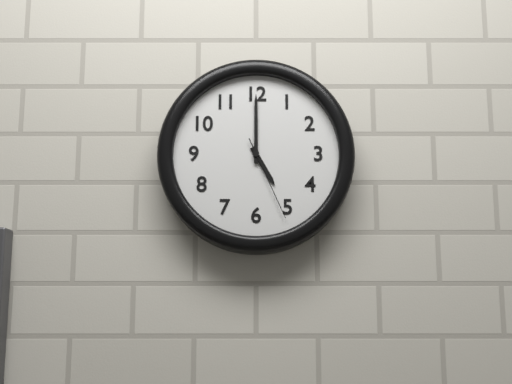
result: 5 h 00 min 26 s
